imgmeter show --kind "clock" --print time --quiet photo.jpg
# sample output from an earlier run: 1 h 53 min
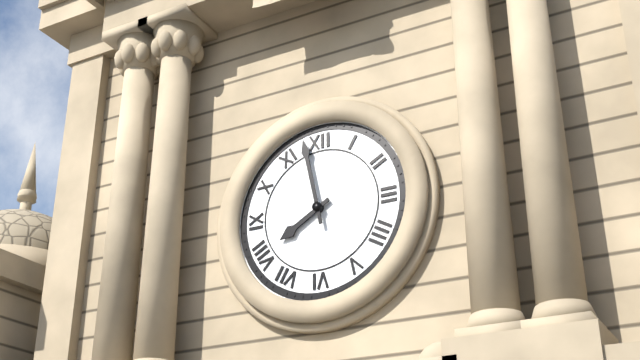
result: 7 h 58 min
